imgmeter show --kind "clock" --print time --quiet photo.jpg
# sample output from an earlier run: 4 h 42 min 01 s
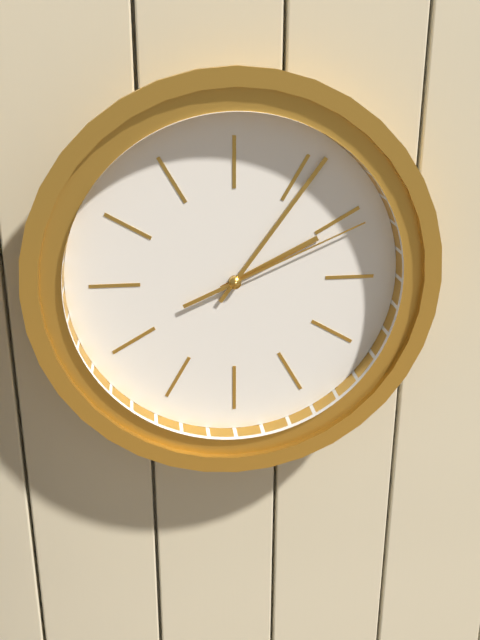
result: 2 h 06 min 11 s
